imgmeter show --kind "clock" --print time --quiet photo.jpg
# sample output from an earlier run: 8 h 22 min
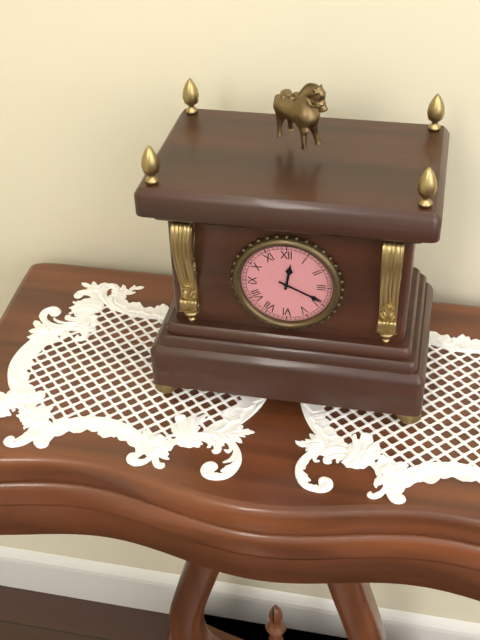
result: 12 h 19 min
